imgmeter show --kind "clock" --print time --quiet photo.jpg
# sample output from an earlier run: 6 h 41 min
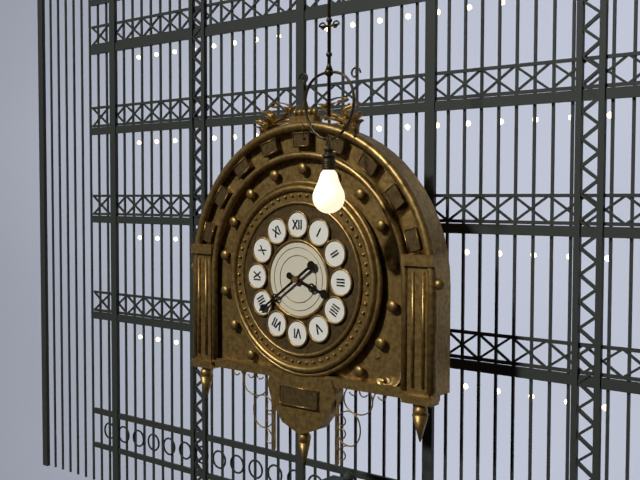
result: 3 h 39 min
